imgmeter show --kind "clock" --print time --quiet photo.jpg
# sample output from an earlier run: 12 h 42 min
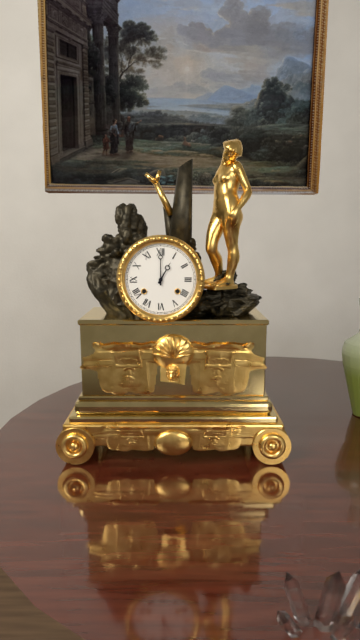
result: 1 h 00 min
